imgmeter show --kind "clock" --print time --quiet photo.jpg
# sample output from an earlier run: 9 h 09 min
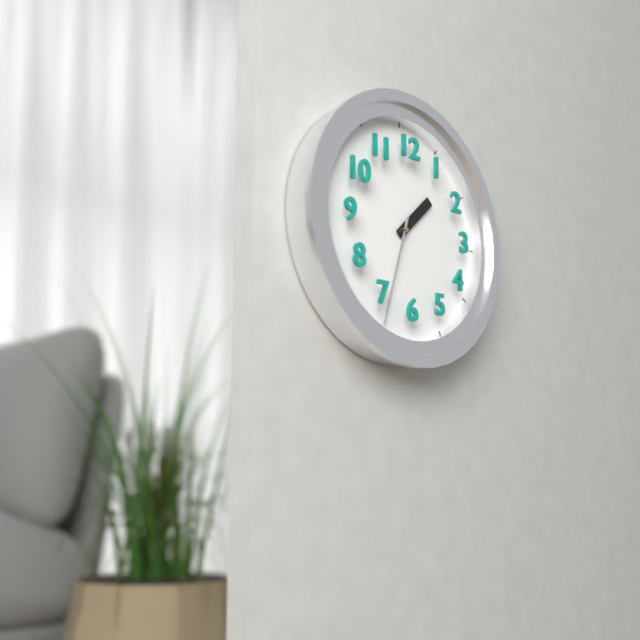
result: 1 h 33 min
